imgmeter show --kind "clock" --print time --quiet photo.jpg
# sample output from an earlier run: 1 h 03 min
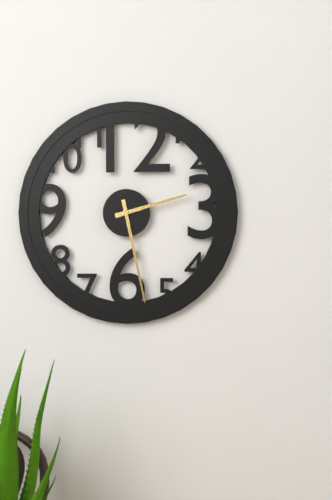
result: 2 h 28 min
